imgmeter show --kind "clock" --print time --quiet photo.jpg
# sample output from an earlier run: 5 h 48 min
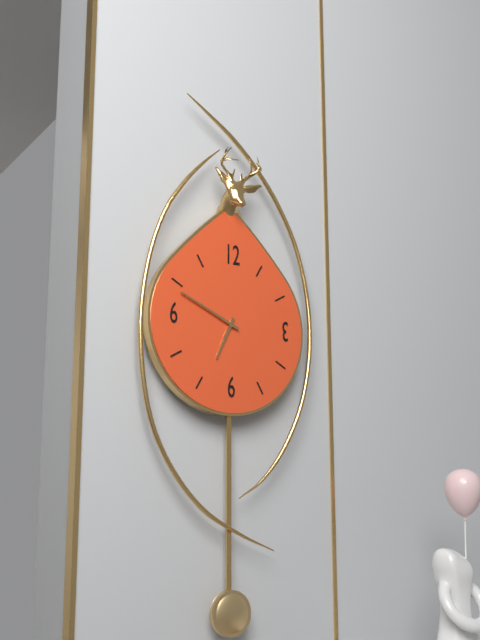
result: 6 h 49 min
